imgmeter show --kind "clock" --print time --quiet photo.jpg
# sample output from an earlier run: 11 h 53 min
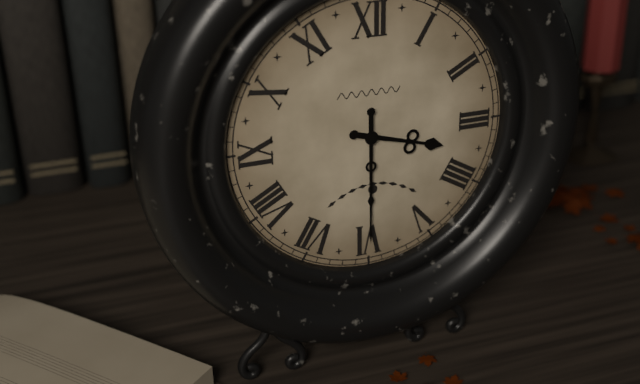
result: 3 h 30 min
